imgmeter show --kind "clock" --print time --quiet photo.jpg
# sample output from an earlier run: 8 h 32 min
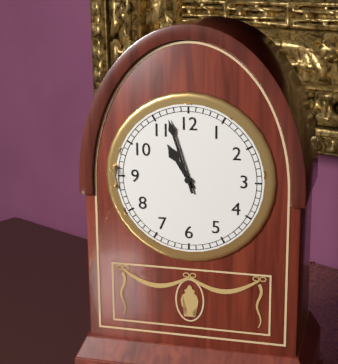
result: 10 h 57 min
